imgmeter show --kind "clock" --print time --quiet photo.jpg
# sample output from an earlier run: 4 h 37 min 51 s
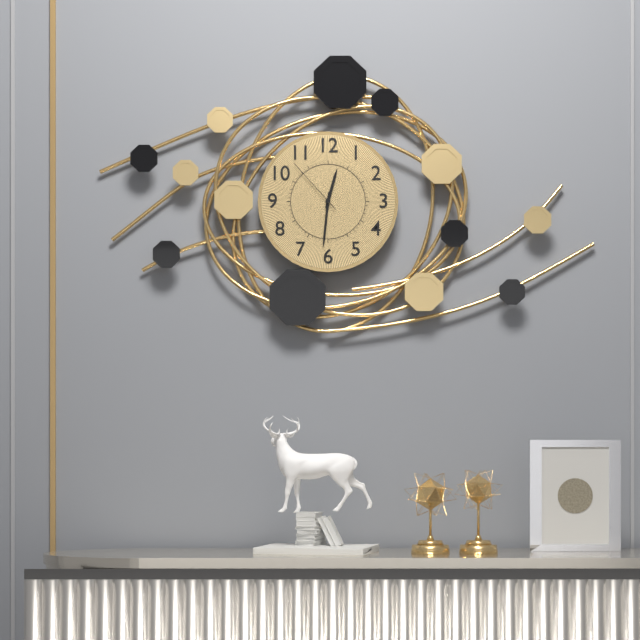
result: 12 h 31 min 53 s
